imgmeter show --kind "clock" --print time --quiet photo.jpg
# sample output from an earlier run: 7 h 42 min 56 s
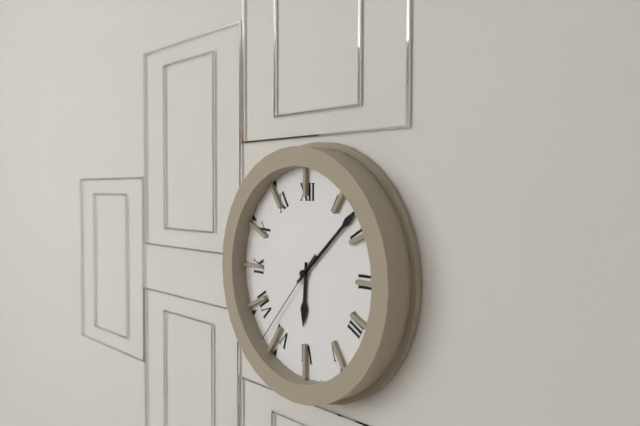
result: 6 h 08 min 37 s
